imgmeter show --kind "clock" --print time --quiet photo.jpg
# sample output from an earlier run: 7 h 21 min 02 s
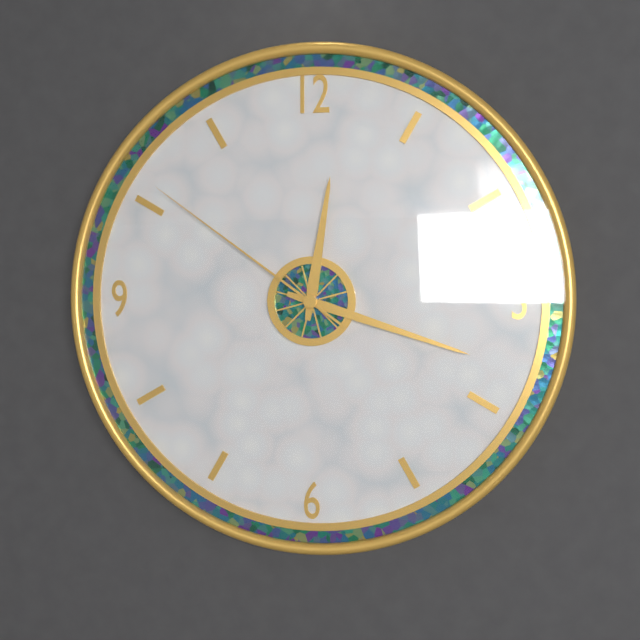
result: 12 h 18 min 51 s
